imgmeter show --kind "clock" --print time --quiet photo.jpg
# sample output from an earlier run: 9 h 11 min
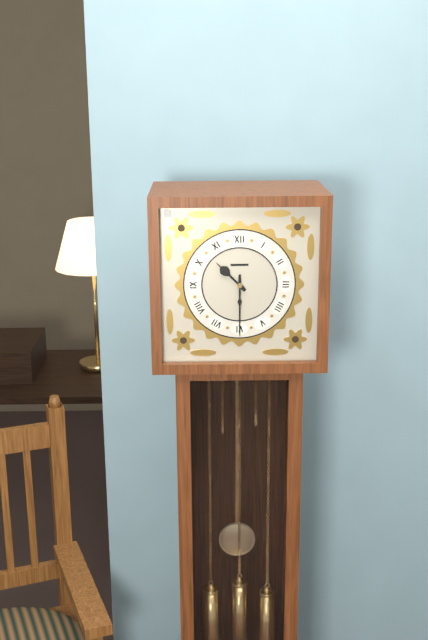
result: 10 h 30 min
